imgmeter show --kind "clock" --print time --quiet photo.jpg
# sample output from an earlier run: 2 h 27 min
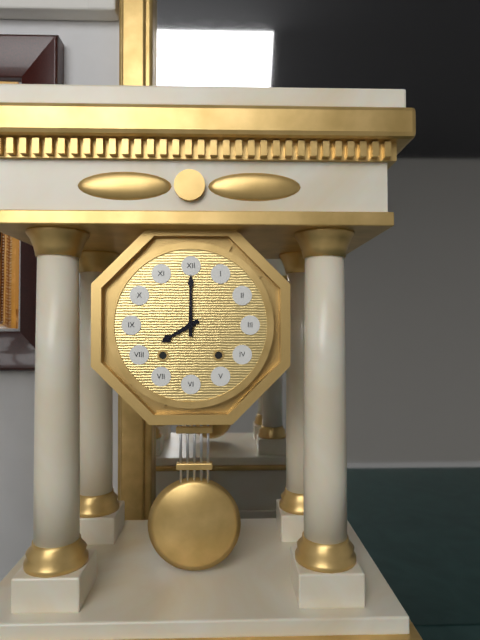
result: 8 h 00 min
